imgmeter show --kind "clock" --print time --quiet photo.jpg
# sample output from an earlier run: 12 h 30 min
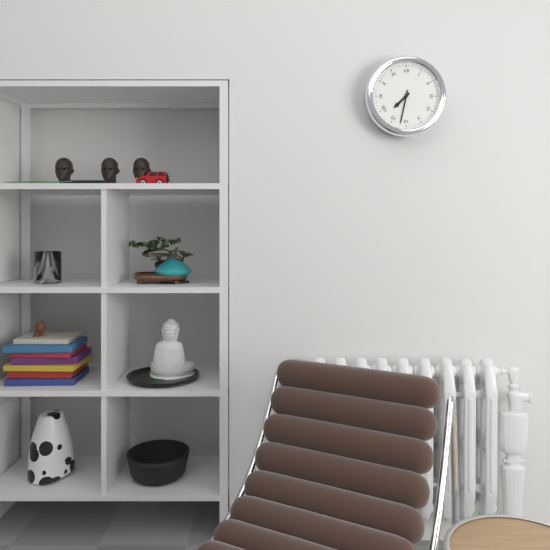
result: 7 h 32 min
